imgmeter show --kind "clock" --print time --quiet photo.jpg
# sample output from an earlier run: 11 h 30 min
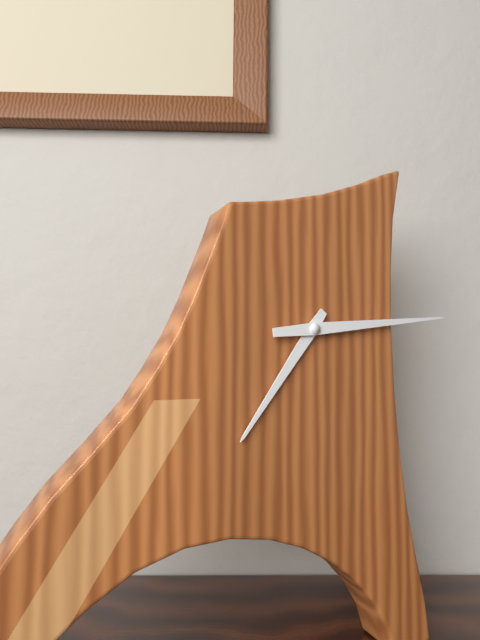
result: 7 h 14 min
